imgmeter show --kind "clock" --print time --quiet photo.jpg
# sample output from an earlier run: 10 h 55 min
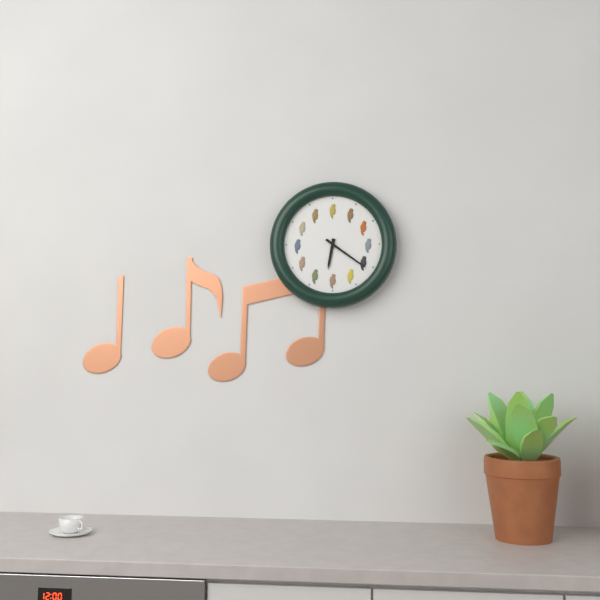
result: 6 h 21 min
